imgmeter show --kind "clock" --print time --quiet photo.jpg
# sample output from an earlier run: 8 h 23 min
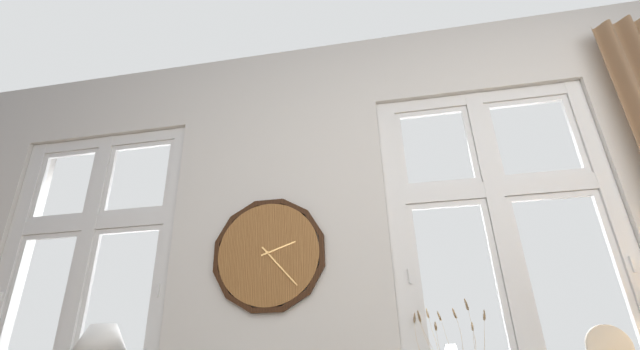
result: 2 h 23 min
